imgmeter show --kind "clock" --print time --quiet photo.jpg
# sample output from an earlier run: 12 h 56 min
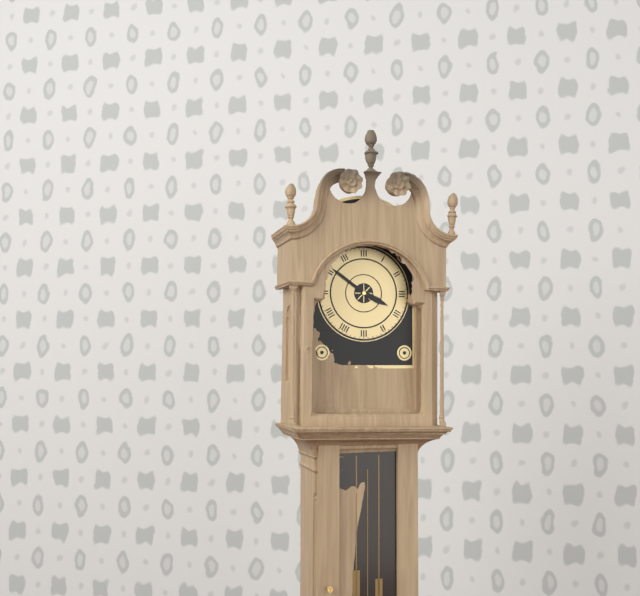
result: 3 h 51 min
